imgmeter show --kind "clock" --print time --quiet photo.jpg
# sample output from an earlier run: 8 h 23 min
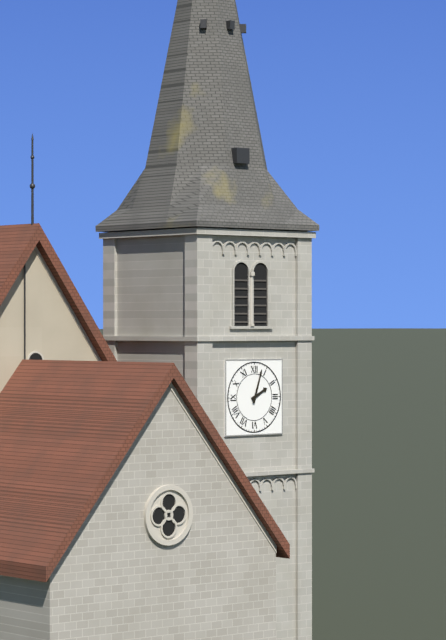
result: 2 h 03 min
